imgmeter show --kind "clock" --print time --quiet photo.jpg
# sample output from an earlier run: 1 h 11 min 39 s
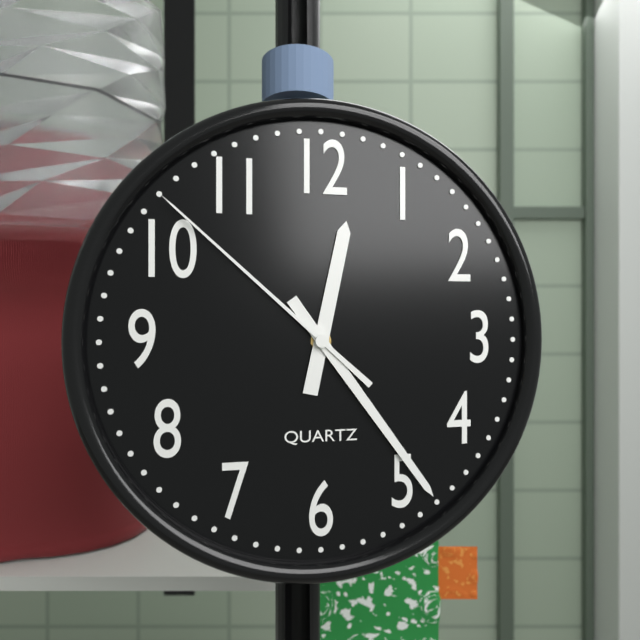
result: 12 h 24 min 52 s
